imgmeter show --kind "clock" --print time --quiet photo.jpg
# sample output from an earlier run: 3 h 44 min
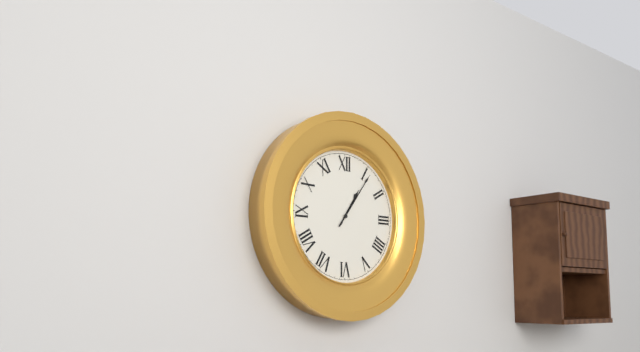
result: 1 h 06 min
